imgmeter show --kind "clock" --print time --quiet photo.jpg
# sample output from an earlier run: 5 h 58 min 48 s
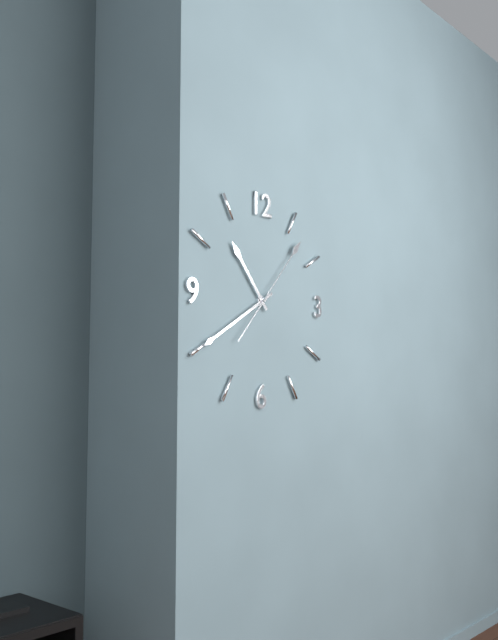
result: 10 h 40 min 07 s
